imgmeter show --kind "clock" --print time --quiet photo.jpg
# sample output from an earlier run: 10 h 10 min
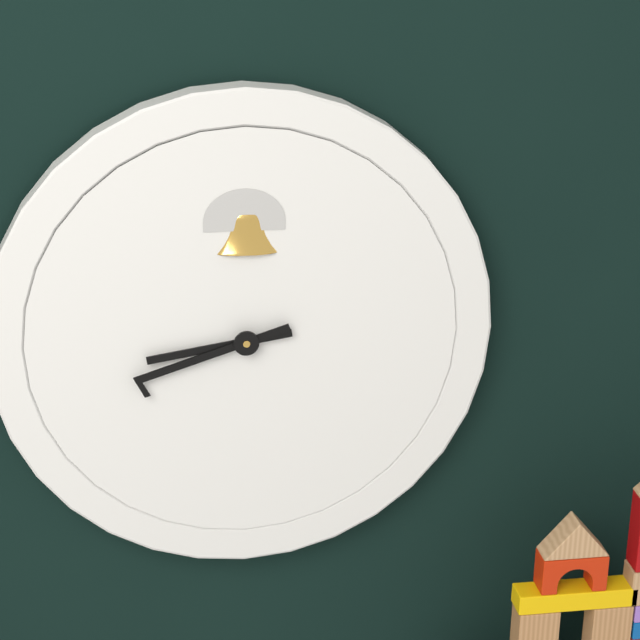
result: 8 h 42 min
